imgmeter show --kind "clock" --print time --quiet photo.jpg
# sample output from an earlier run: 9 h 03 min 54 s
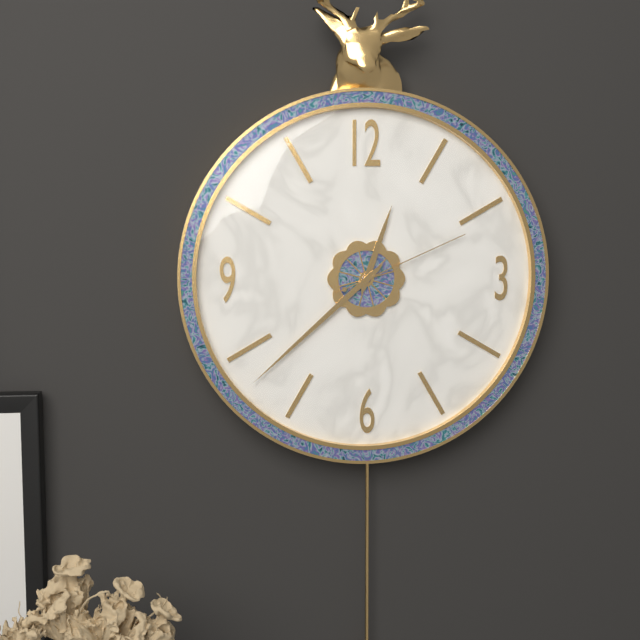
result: 12 h 38 min 11 s
